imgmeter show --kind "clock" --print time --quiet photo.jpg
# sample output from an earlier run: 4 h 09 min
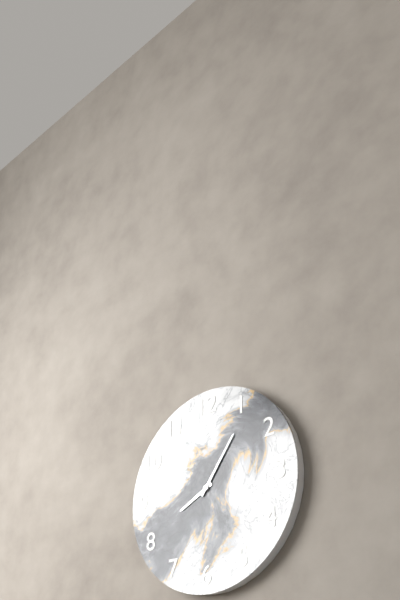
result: 8 h 06 min
